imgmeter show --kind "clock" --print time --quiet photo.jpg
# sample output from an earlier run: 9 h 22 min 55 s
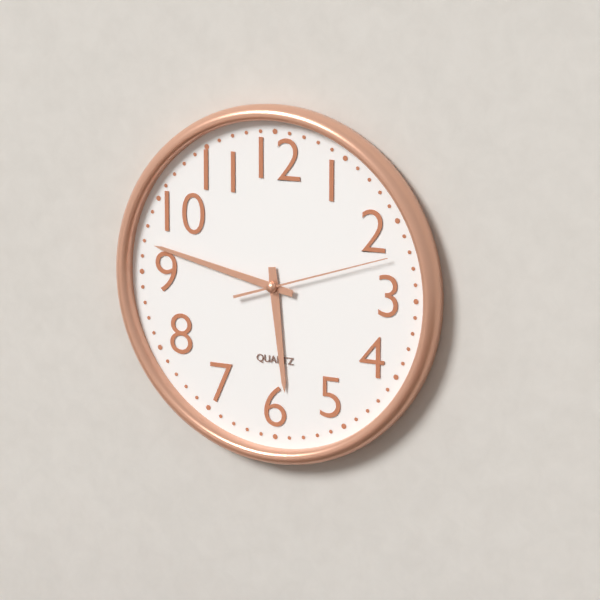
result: 5 h 47 min 12 s
